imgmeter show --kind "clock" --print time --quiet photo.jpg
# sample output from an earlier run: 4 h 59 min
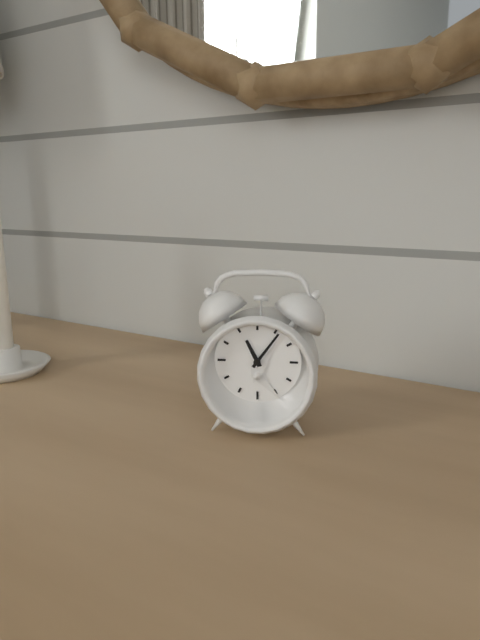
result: 11 h 06 min
